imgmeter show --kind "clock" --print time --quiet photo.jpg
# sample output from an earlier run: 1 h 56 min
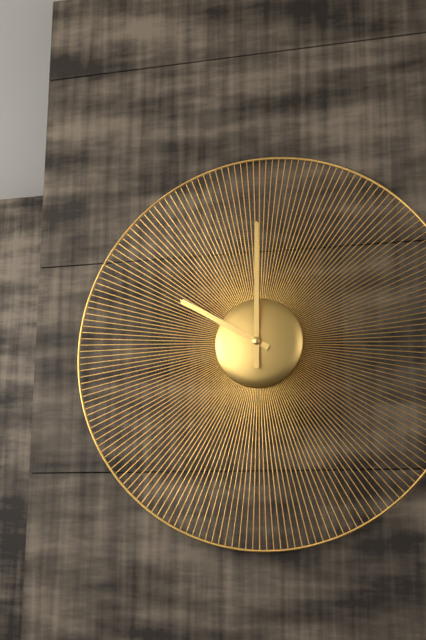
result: 10 h 00 min
